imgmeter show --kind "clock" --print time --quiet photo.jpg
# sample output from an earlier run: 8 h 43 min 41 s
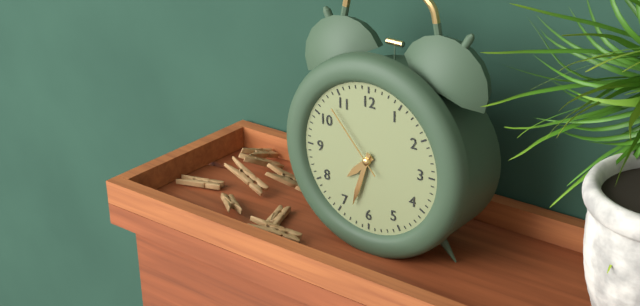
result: 7 h 33 min 53 s
